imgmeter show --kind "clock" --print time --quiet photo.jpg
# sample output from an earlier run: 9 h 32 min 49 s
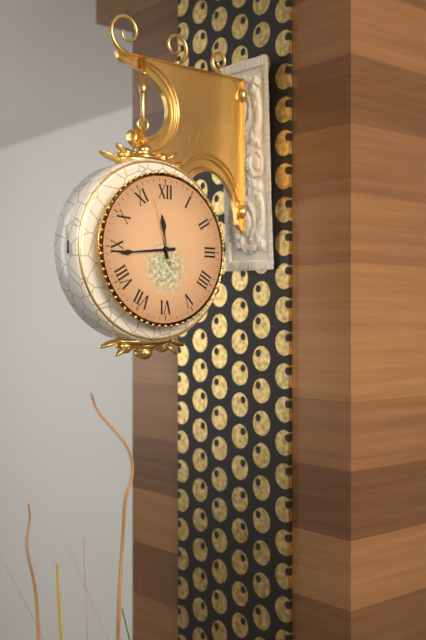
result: 11 h 44 min 57 s
